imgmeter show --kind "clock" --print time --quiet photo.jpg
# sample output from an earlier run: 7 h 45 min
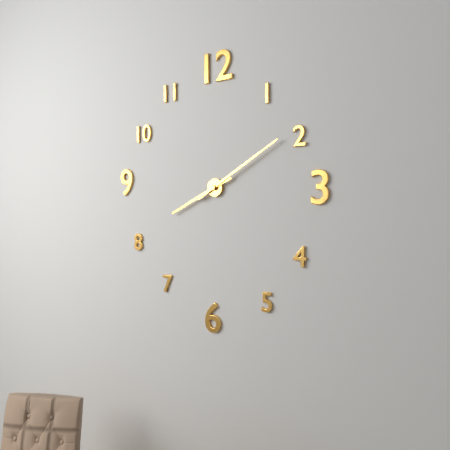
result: 8 h 10 min
